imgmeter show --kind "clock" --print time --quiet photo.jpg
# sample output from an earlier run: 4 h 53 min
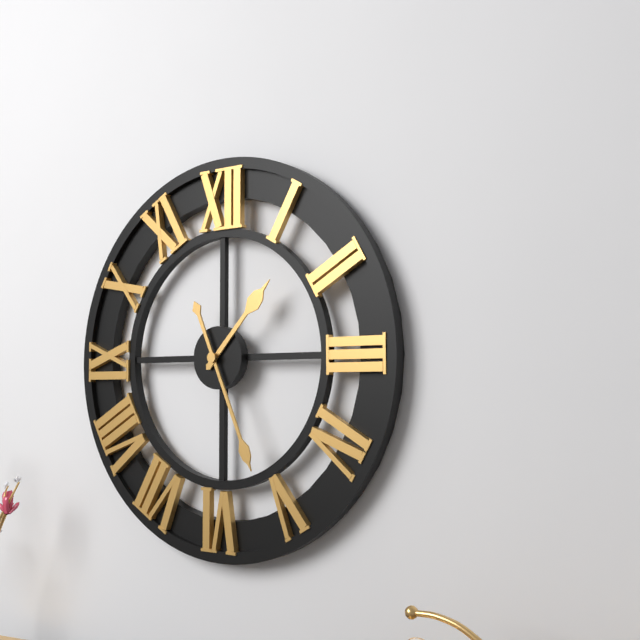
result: 1 h 26 min
